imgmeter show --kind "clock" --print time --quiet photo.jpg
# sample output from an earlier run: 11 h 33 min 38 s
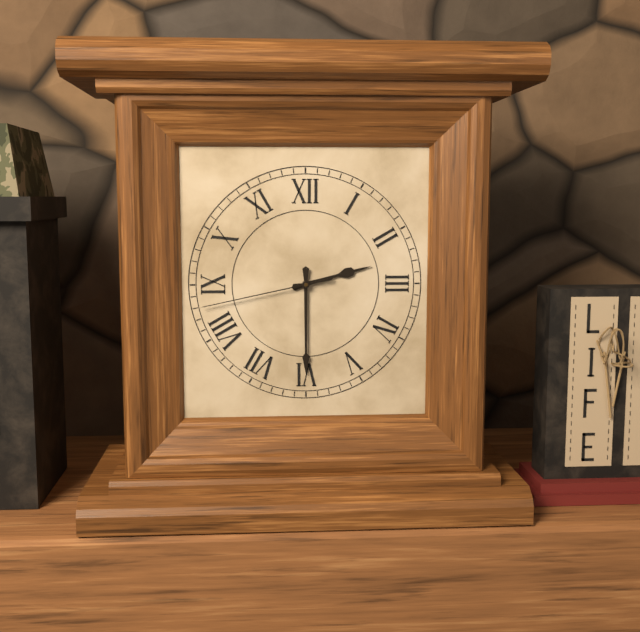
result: 2 h 30 min 43 s
